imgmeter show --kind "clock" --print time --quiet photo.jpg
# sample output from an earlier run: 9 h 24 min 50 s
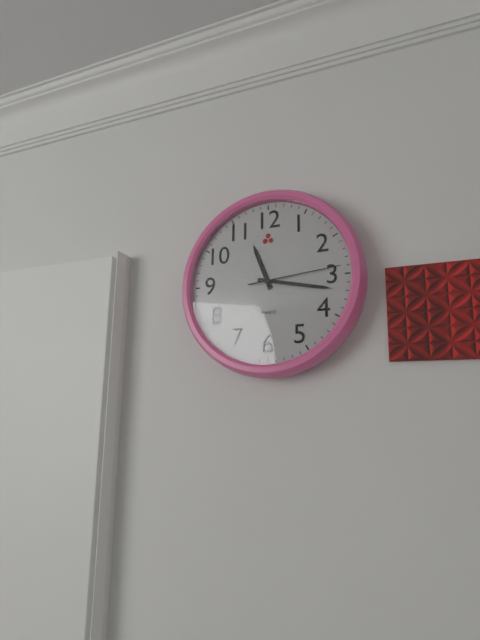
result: 11 h 17 min 14 s
